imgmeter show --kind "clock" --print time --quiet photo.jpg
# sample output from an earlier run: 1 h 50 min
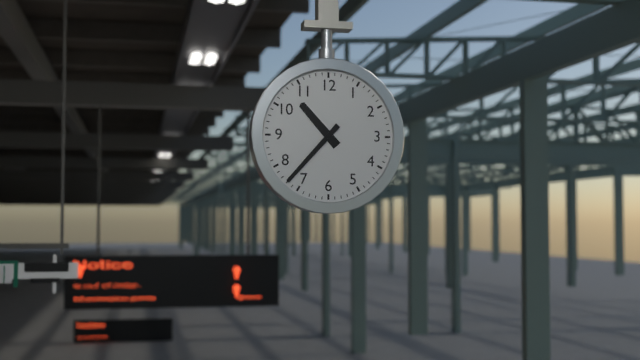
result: 10 h 37 min
